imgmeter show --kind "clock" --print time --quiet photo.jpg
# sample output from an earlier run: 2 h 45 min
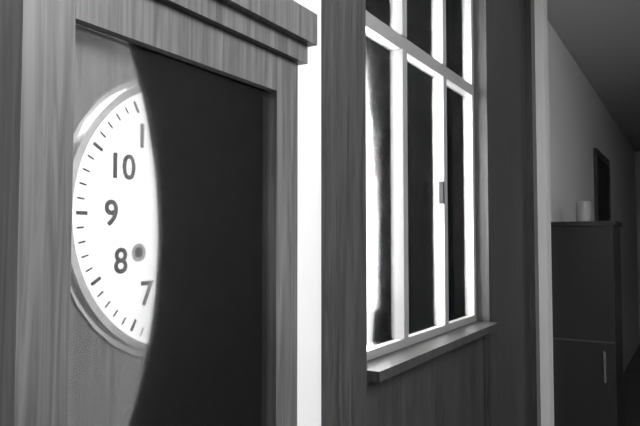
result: 3 h 26 min
